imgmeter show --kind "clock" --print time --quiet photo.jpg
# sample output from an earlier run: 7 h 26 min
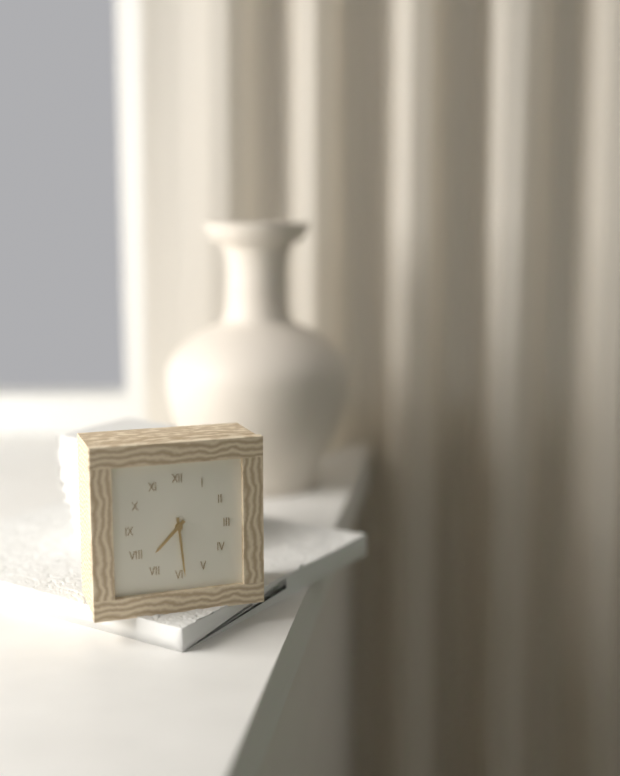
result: 7 h 29 min
